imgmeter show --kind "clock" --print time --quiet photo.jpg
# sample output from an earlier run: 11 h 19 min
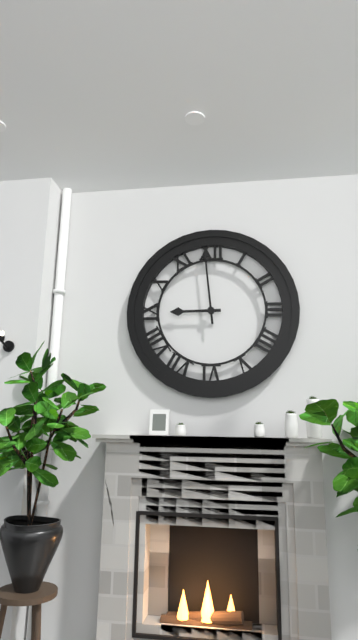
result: 8 h 59 min
